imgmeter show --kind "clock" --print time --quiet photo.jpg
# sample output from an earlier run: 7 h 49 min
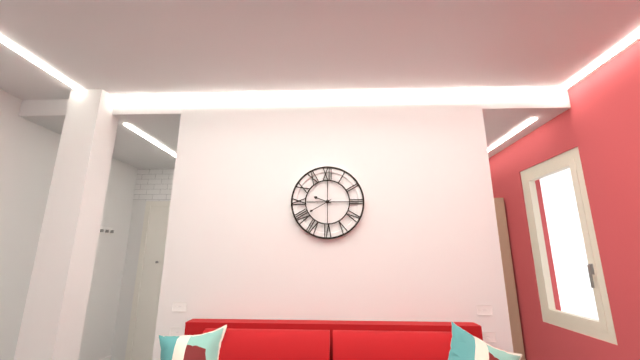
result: 9 h 40 min
